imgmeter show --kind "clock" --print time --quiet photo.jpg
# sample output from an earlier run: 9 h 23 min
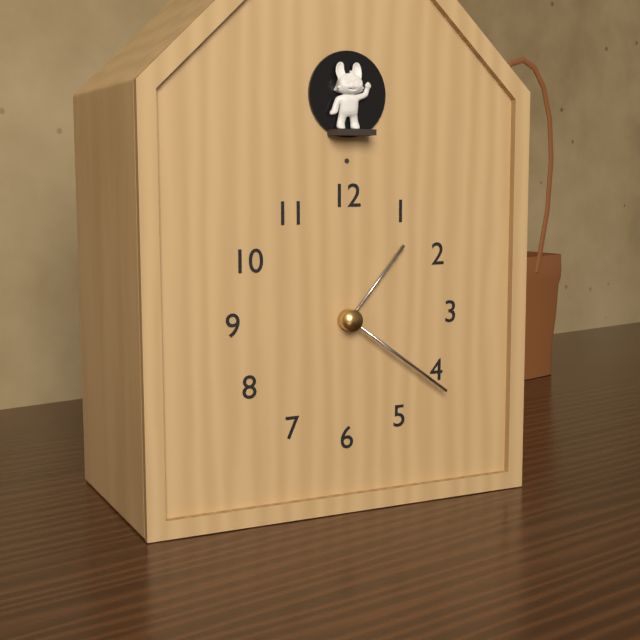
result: 1 h 21 min
